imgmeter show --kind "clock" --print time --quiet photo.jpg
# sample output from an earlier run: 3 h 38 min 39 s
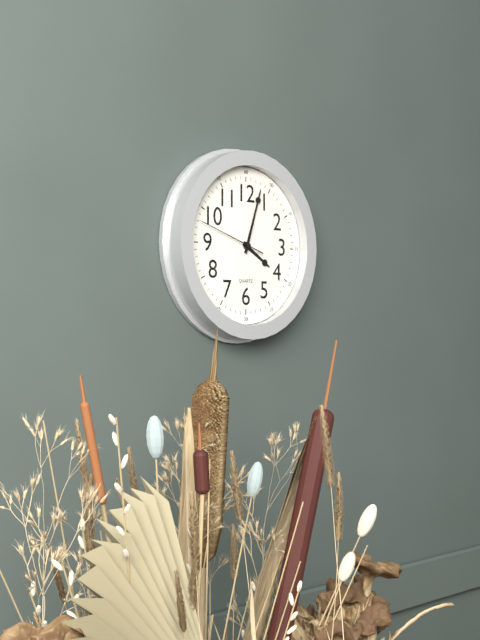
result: 4 h 03 min 48 s
